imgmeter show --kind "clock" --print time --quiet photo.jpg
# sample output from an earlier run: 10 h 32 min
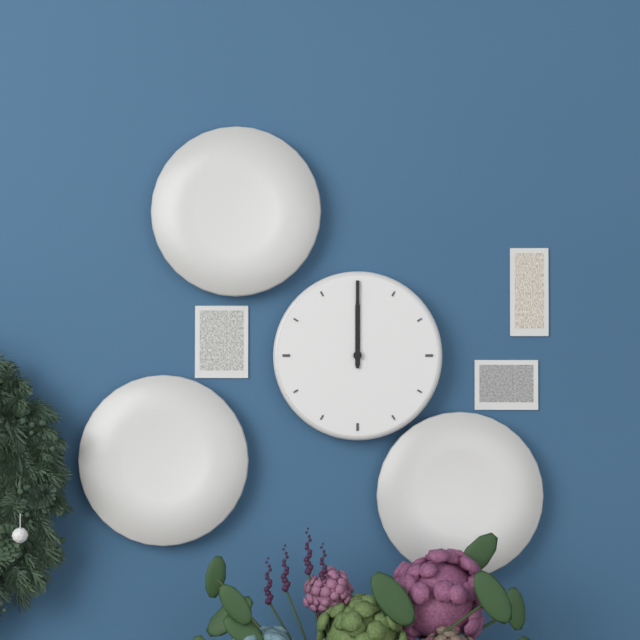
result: 12 h 00 min
